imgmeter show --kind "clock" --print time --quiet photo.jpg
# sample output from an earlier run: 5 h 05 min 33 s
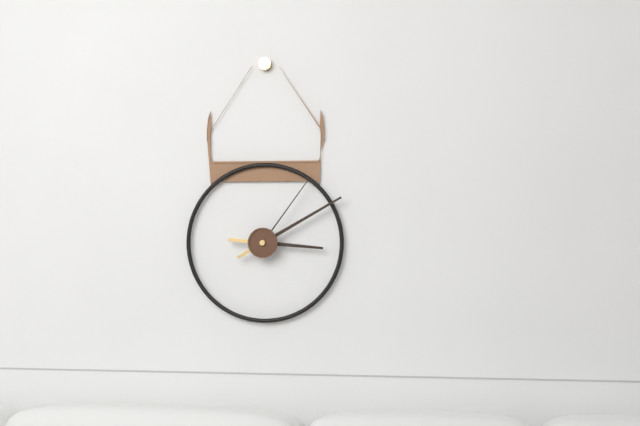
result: 3 h 10 min 06 s
